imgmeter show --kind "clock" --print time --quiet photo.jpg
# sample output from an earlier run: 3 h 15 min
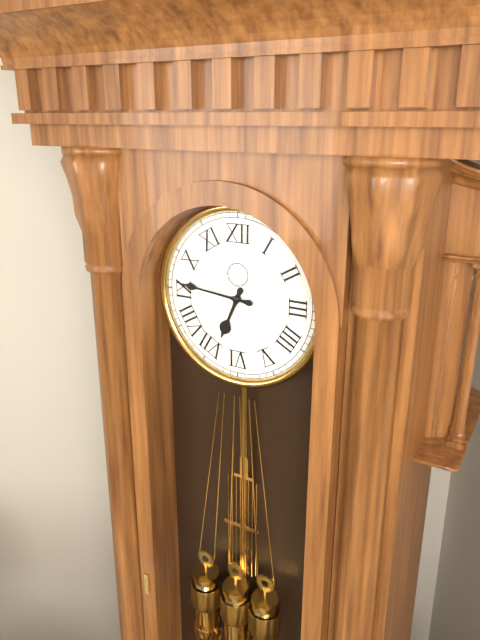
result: 6 h 46 min
